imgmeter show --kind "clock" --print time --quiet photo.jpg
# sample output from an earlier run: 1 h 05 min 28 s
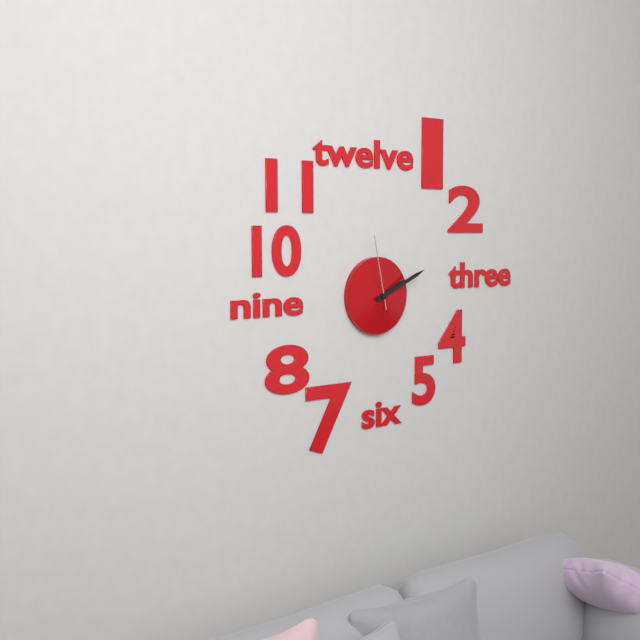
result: 2 h 11 min 58 s
